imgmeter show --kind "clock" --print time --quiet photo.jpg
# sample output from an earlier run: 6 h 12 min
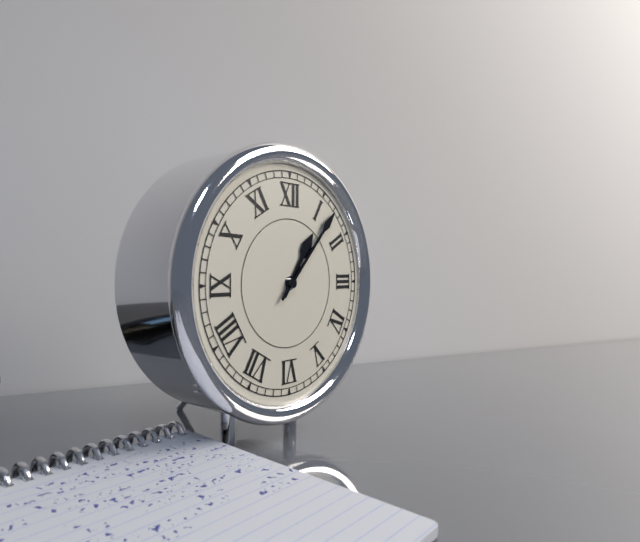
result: 1 h 07 min
